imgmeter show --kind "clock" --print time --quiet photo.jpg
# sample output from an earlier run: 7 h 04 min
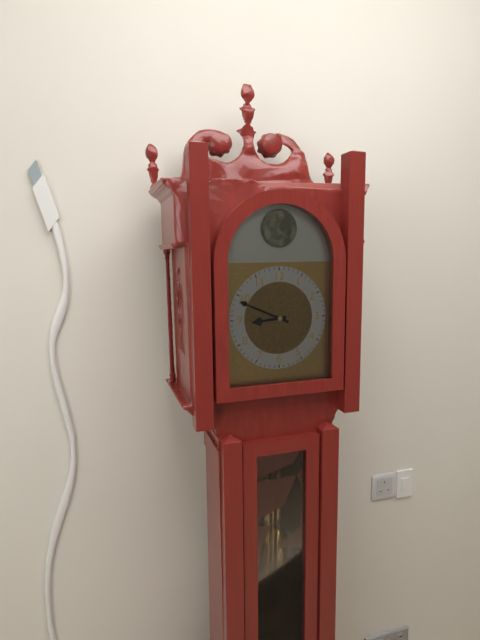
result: 8 h 49 min
